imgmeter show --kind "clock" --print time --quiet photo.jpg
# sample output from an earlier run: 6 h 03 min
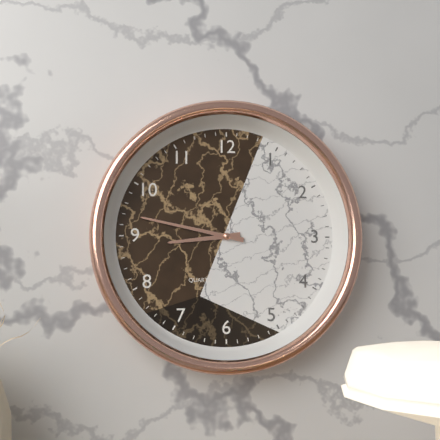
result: 8 h 47 min
